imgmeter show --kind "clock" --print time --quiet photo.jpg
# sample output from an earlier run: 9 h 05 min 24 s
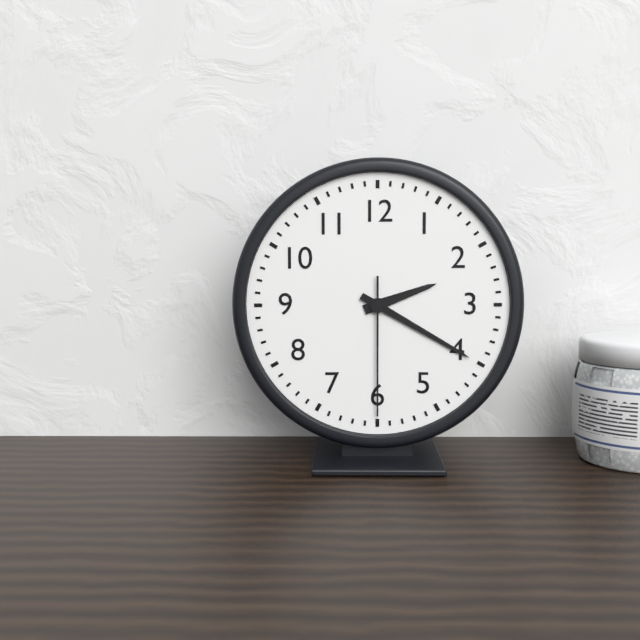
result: 2 h 20 min 30 s
